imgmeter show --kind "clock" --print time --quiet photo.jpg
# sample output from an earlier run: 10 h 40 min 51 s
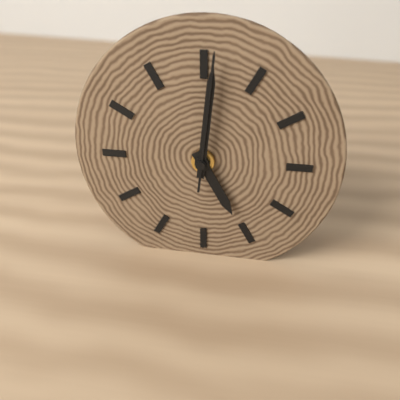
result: 5 h 01 min 01 s
